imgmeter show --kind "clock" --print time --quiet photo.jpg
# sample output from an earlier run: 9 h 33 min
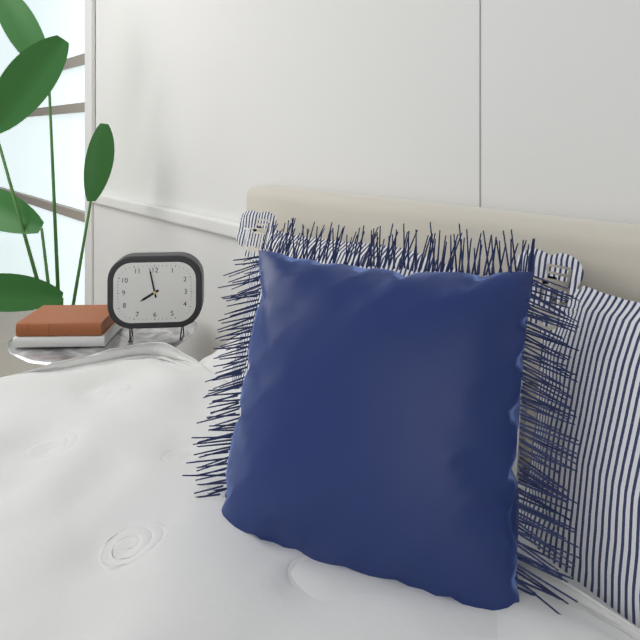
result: 7 h 58 min
